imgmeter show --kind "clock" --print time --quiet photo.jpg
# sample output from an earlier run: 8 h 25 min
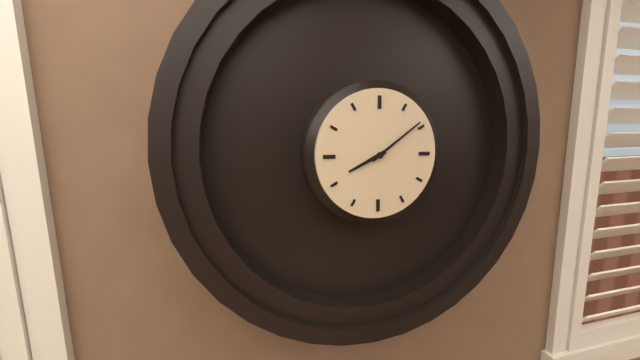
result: 8 h 09 min
